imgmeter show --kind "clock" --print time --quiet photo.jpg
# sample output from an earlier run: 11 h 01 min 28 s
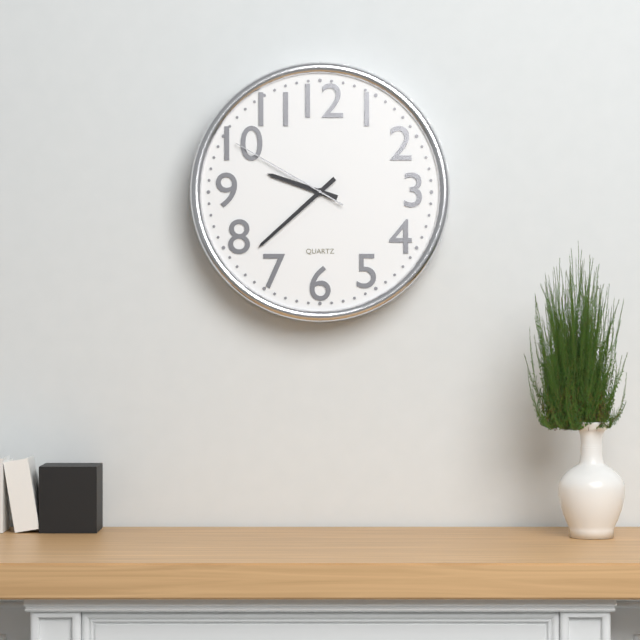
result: 9 h 38 min 50 s
